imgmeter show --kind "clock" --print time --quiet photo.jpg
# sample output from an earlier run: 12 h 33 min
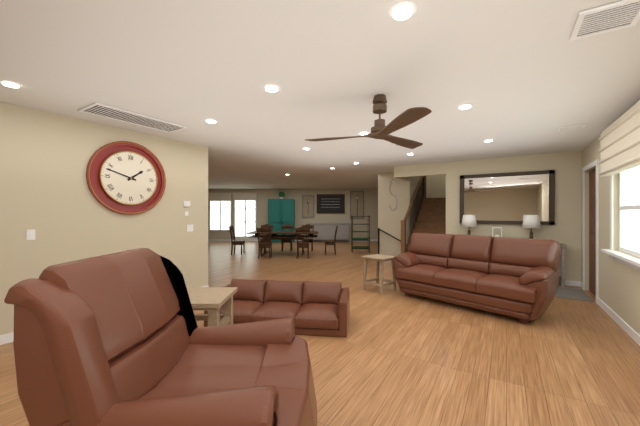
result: 1 h 48 min
